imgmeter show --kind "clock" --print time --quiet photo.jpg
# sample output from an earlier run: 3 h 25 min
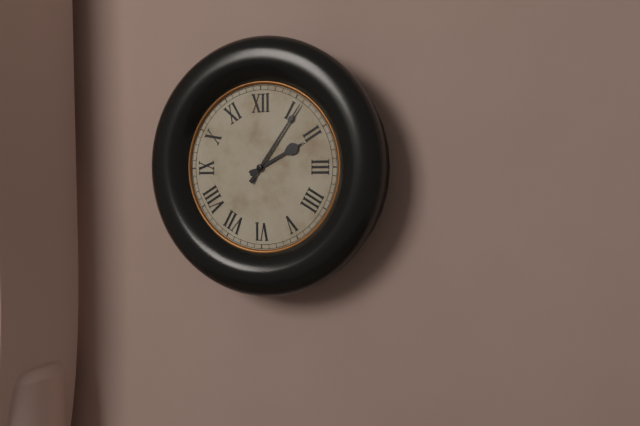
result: 2 h 06 min
